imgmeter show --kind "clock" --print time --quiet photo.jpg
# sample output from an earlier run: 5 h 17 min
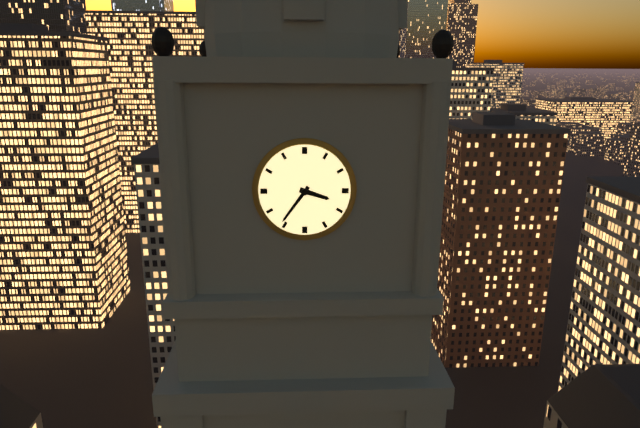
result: 3 h 36 min
